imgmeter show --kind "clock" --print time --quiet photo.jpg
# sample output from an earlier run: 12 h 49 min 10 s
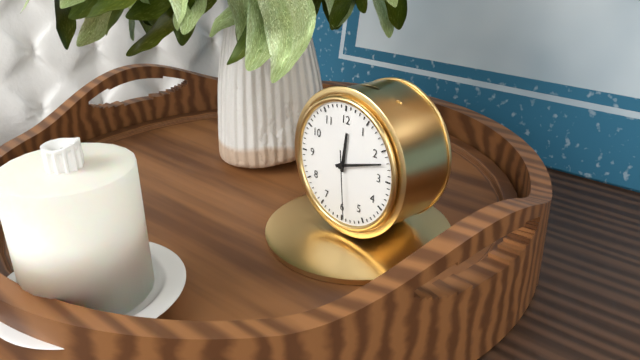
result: 12 h 12 min 29 s
